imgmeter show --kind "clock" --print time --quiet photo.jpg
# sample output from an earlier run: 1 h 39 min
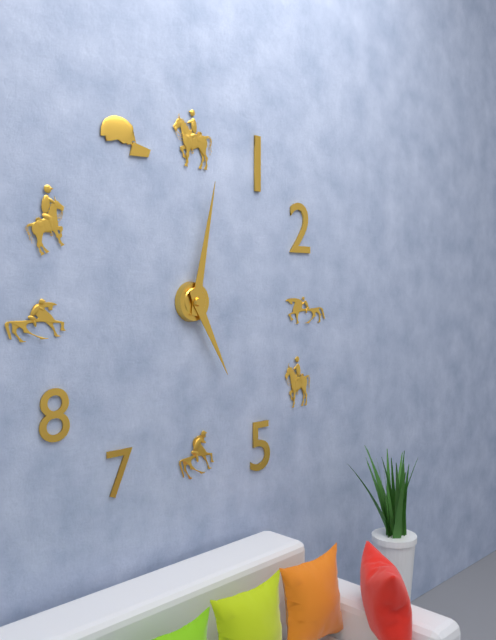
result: 5 h 02 min
